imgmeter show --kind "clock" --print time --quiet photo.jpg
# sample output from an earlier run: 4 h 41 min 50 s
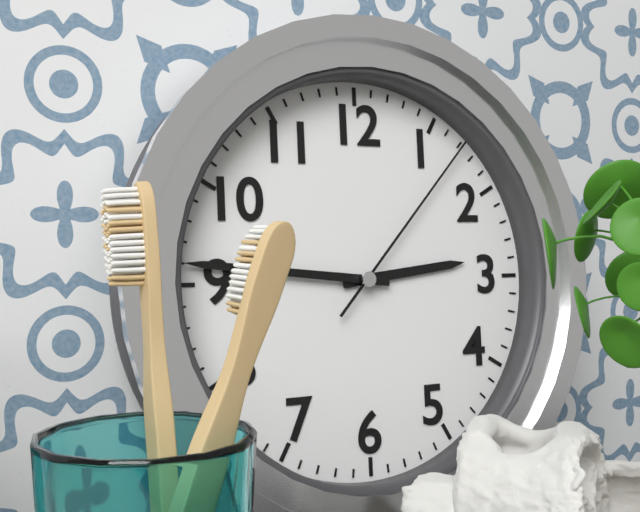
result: 2 h 46 min 07 s
